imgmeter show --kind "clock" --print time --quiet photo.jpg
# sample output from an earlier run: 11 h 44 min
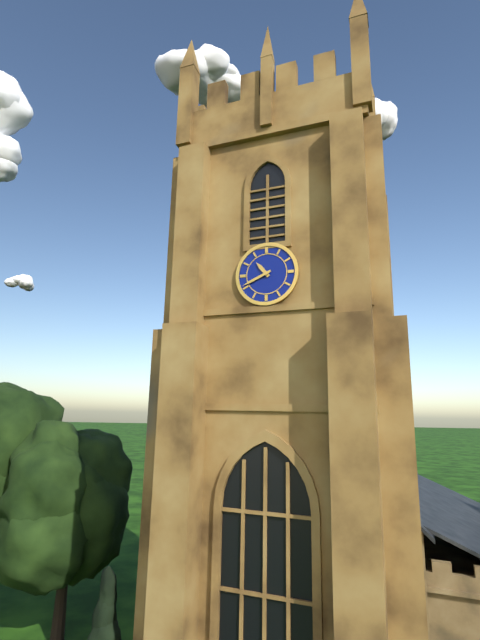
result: 10 h 41 min
